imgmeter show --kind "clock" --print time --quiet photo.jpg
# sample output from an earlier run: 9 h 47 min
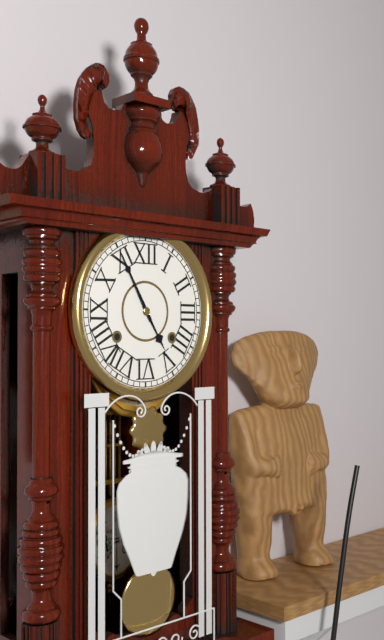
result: 4 h 55 min
